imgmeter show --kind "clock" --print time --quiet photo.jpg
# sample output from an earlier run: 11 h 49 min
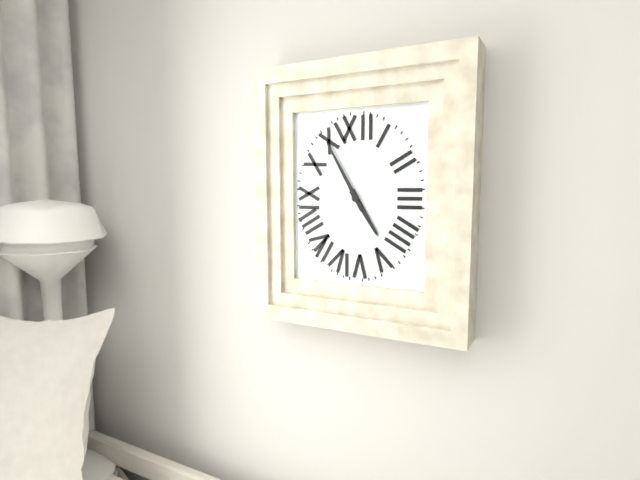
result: 4 h 55 min
